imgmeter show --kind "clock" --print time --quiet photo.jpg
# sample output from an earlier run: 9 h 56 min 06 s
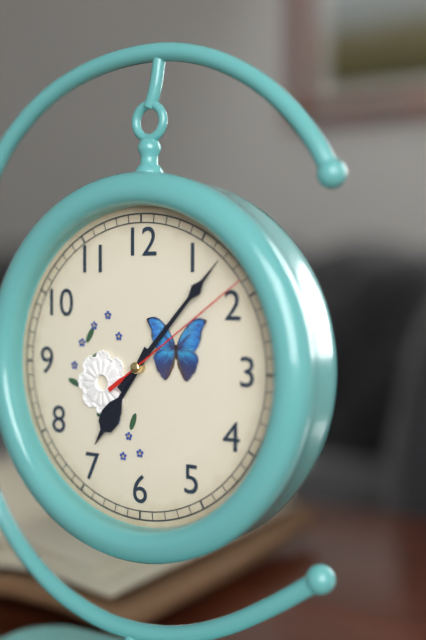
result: 7 h 07 min 09 s
